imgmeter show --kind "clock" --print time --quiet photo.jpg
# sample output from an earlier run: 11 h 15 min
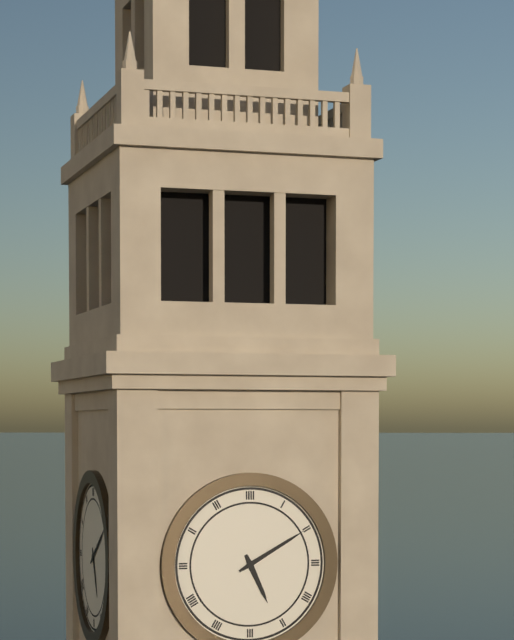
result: 5 h 10 min
